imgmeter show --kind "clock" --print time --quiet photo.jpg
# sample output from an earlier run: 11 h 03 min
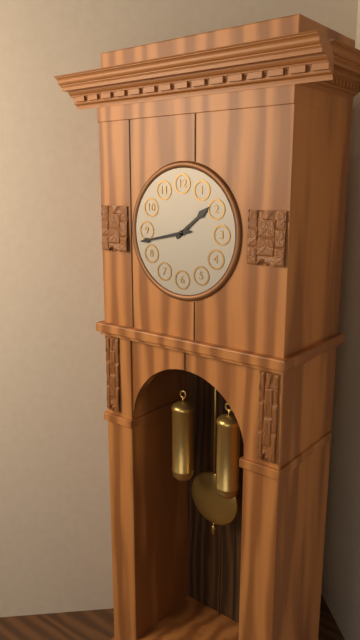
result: 1 h 43 min
